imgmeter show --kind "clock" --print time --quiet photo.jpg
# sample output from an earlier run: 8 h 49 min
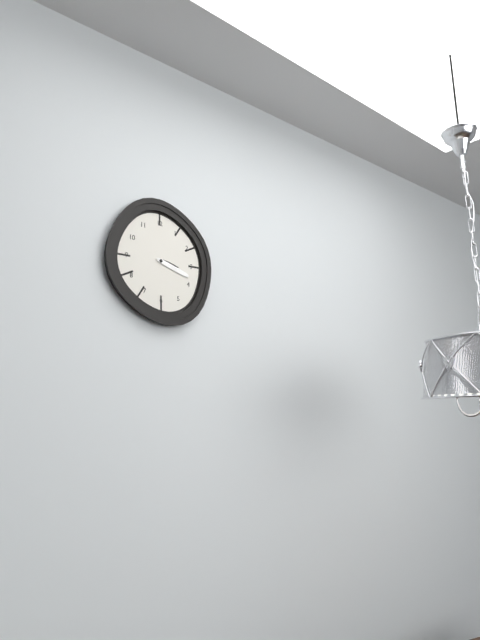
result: 3 h 18 min
